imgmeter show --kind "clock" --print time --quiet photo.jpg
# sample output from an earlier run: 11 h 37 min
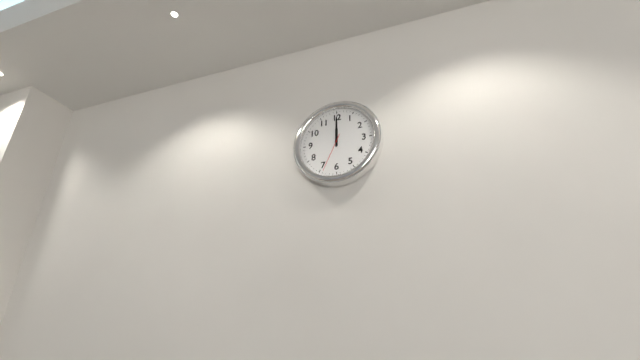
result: 12 h 00 min
